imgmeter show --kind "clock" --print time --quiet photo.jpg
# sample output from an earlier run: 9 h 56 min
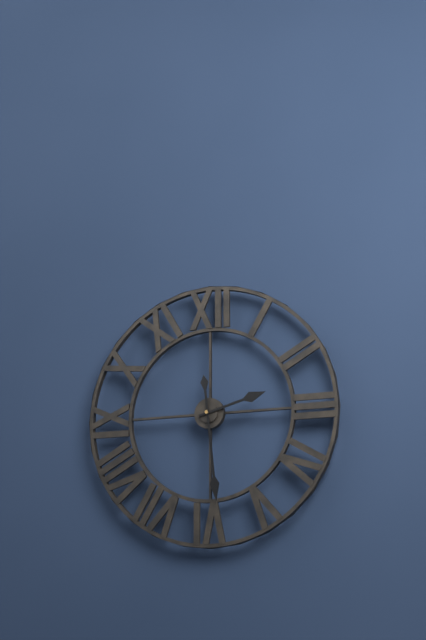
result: 2 h 29 min
